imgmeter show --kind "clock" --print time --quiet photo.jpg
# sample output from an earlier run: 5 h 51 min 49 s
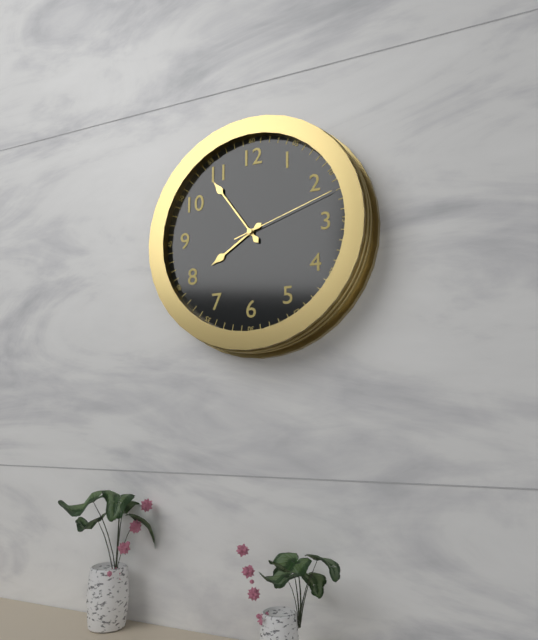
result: 7 h 54 min 12 s
